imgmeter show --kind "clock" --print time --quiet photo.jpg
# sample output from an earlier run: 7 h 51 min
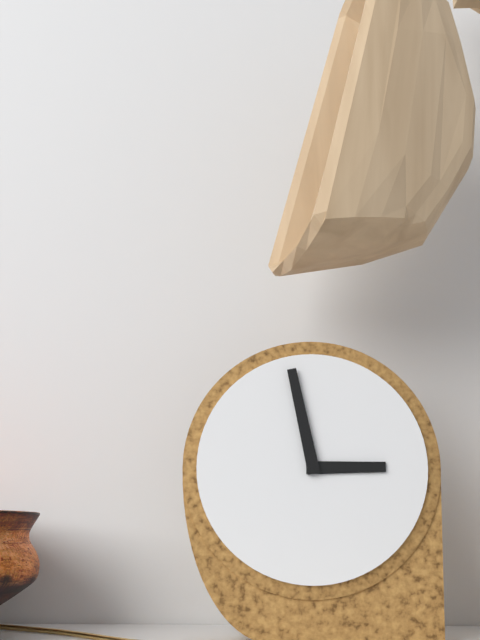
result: 2 h 58 min
